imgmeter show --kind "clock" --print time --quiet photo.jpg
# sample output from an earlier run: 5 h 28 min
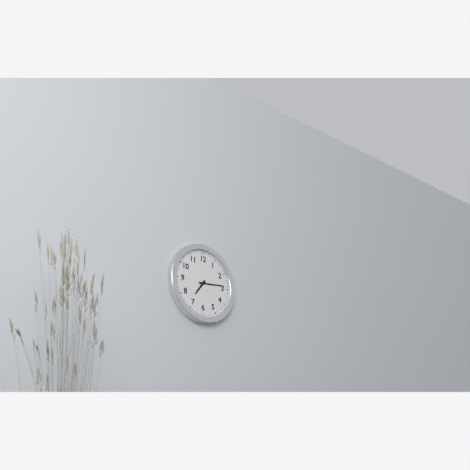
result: 7 h 14 min
